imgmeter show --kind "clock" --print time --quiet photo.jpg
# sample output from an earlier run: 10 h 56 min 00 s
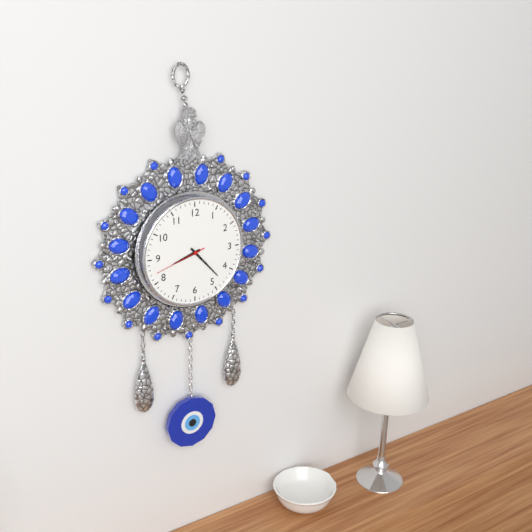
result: 8 h 23 min 42 s
